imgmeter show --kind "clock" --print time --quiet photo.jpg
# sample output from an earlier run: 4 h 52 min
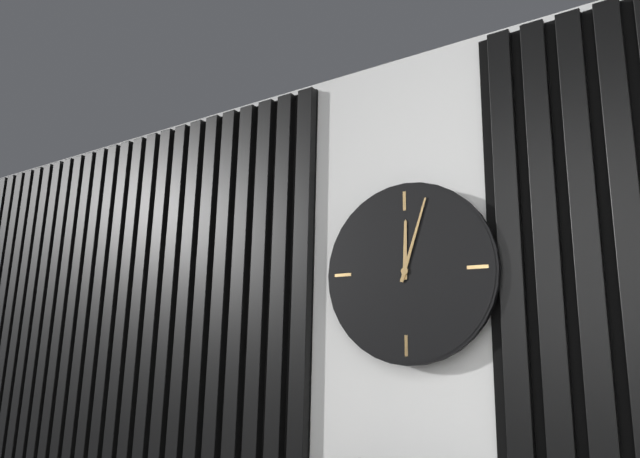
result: 12 h 03 min
